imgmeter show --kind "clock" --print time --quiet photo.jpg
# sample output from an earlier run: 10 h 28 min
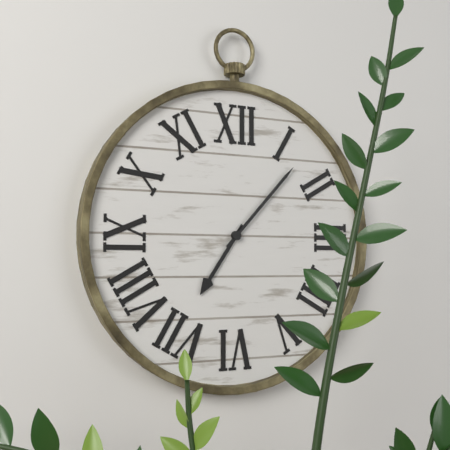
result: 7 h 07 min
